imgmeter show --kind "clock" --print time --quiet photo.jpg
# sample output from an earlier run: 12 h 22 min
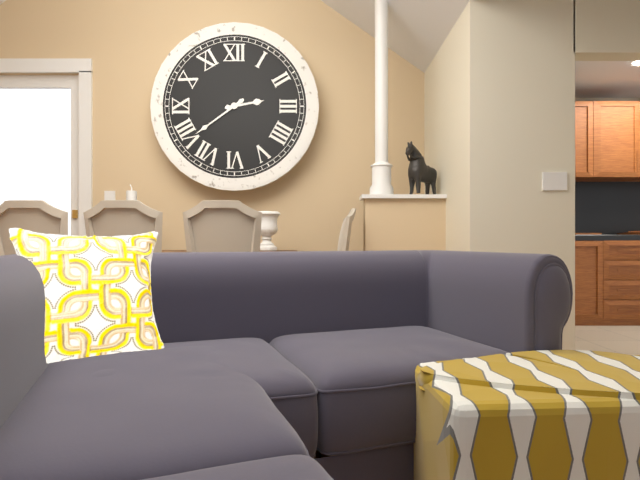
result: 2 h 39 min
